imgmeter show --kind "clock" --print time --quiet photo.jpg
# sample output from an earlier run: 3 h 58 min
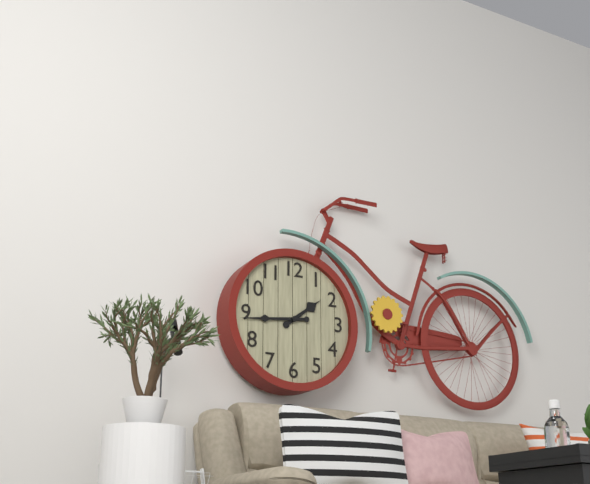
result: 1 h 44 min
